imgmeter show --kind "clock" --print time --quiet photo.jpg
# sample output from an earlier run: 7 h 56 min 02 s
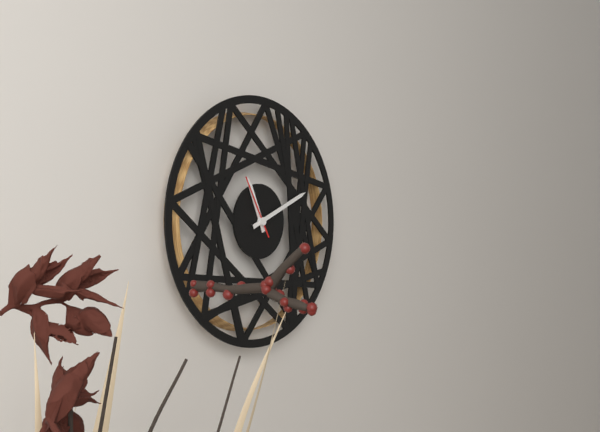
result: 11 h 11 min 55 s
